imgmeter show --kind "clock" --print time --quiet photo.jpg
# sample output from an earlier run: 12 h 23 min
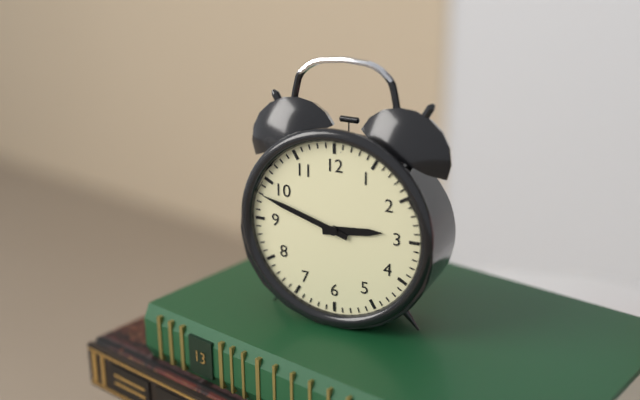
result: 2 h 48 min
